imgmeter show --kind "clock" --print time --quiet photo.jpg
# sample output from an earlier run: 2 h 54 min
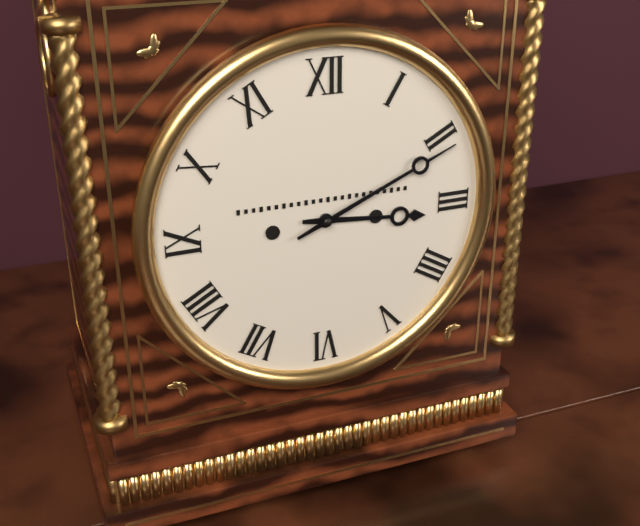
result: 3 h 11 min
